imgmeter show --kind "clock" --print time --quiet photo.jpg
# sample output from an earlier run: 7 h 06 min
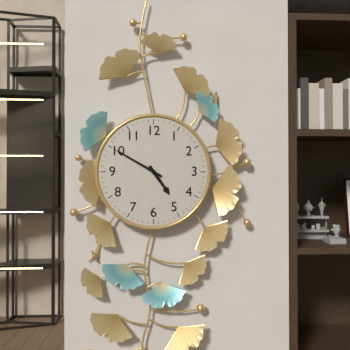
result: 4 h 50 min
